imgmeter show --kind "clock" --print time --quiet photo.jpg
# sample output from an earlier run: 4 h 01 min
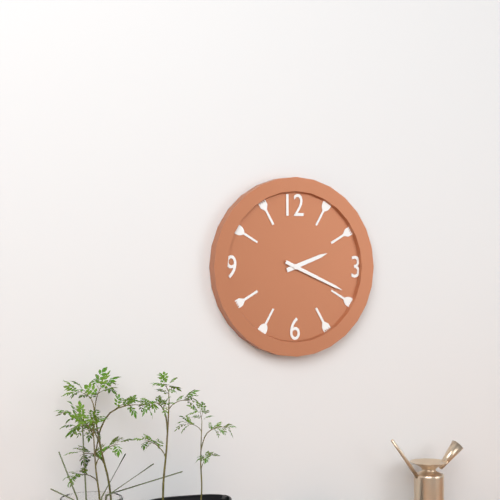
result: 2 h 19 min
